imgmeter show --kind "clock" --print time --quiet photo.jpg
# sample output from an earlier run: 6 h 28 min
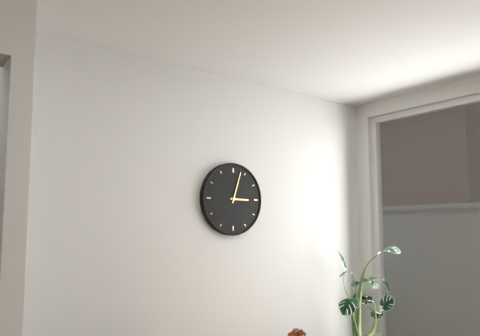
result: 3 h 03 min
